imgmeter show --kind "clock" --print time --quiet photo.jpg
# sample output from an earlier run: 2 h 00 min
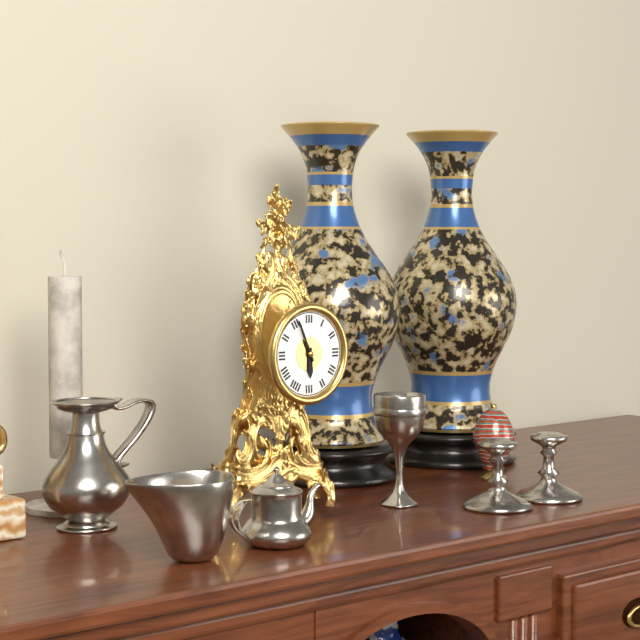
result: 5 h 56 min
